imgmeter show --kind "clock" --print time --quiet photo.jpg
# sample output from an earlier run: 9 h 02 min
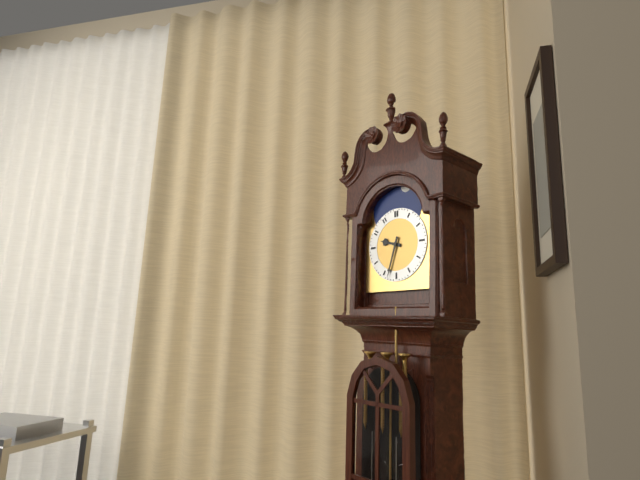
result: 9 h 33 min
